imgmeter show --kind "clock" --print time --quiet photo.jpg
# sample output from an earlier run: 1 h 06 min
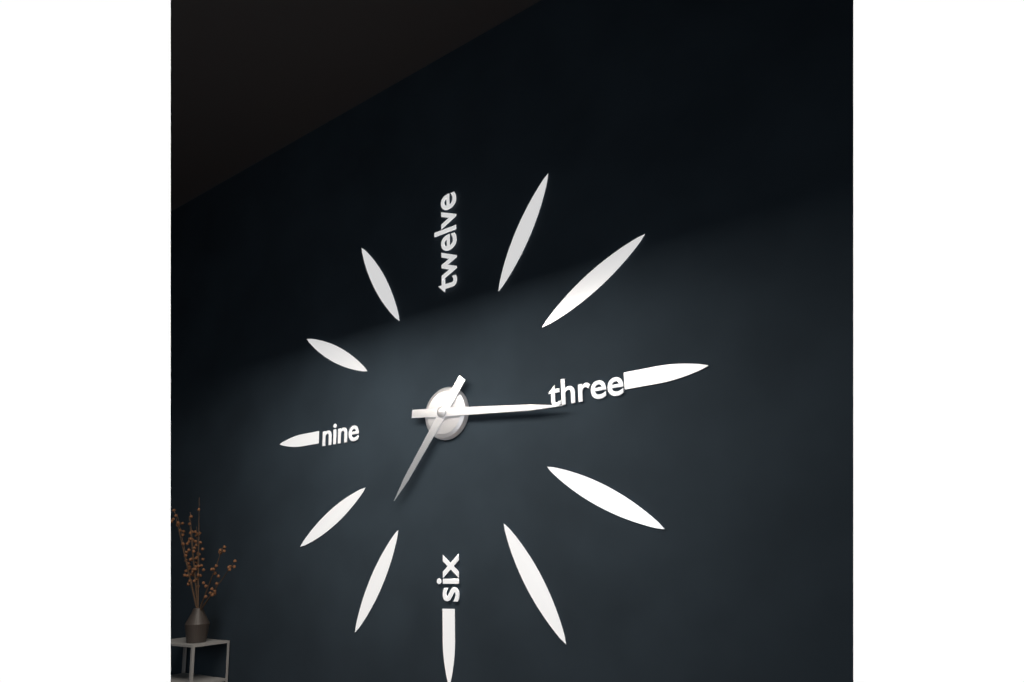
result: 7 h 16 min
